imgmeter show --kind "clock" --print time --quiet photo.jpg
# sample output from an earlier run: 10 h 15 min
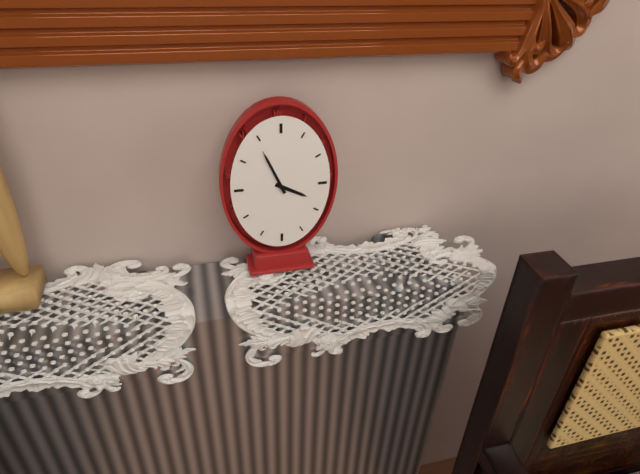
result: 3 h 56 min
